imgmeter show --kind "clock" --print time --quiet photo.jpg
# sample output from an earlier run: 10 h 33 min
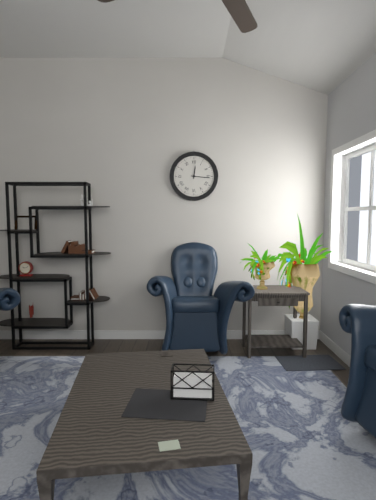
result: 12 h 16 min
